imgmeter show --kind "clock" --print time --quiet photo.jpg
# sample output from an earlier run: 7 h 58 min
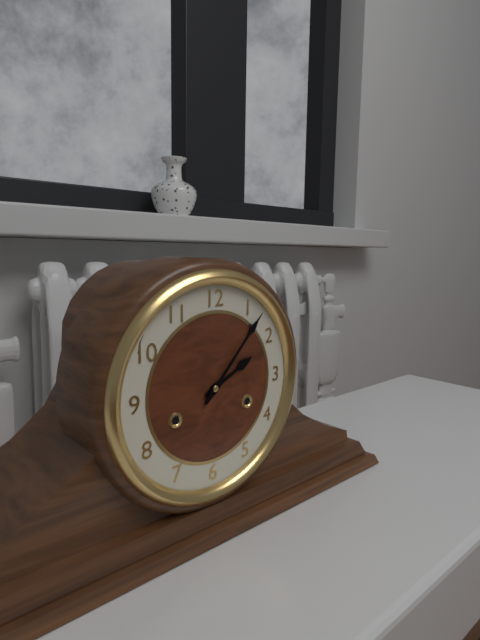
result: 2 h 07 min
